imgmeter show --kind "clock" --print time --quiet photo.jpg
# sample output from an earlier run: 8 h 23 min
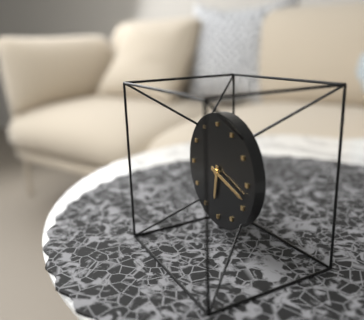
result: 6 h 18 min
